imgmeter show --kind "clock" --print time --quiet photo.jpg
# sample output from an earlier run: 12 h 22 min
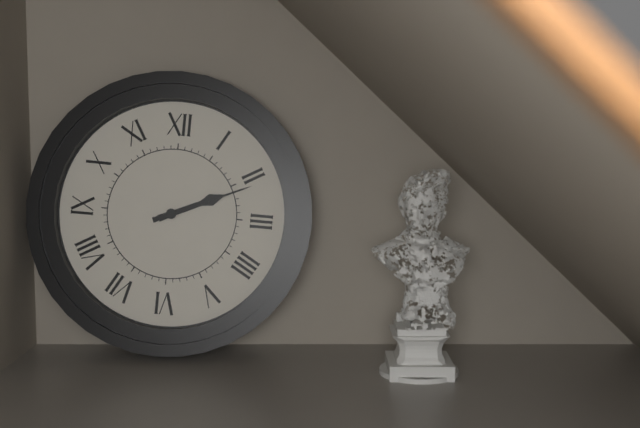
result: 2 h 11 min
